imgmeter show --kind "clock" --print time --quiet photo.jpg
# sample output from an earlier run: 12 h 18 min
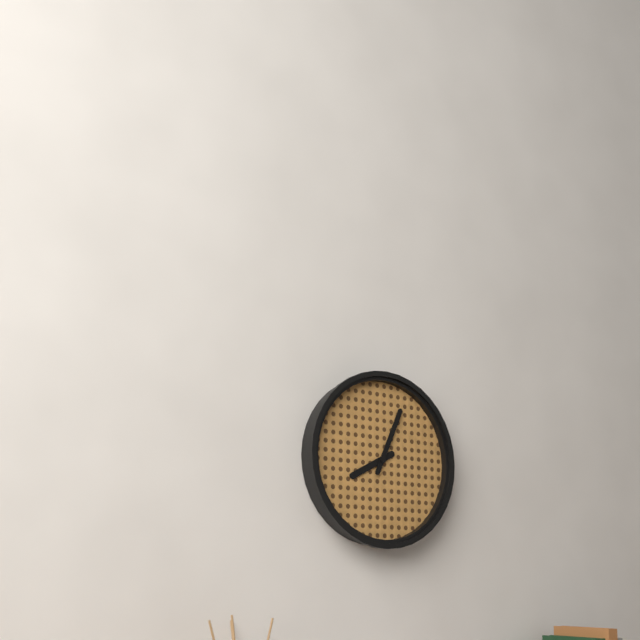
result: 8 h 04 min
